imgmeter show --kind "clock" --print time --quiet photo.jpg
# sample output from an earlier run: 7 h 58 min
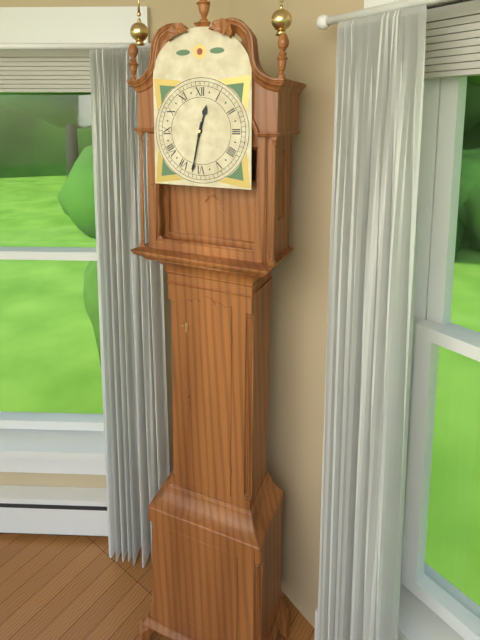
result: 12 h 32 min
